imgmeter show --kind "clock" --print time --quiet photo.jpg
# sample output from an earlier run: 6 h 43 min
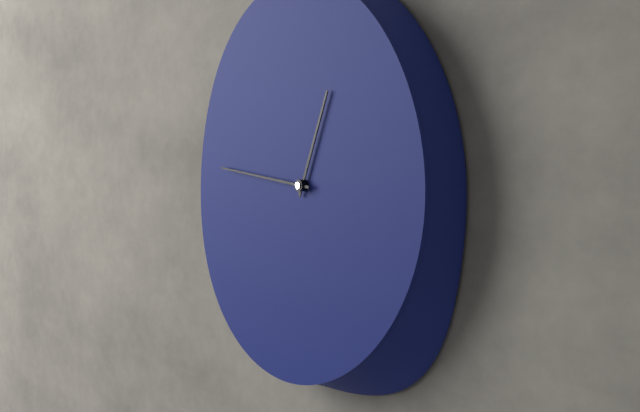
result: 12 h 46 min
